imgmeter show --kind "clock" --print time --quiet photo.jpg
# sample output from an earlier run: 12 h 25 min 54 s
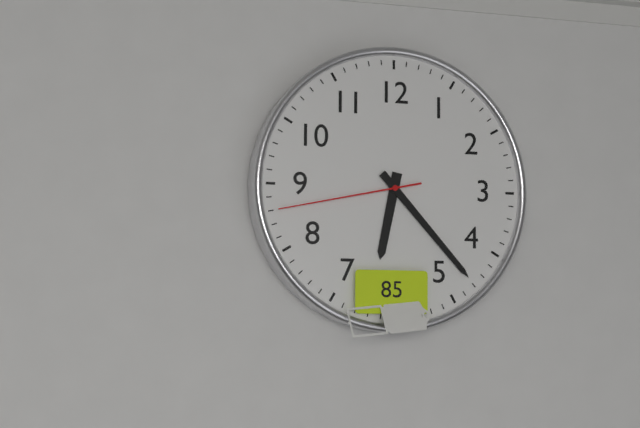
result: 6 h 23 min 43 s
